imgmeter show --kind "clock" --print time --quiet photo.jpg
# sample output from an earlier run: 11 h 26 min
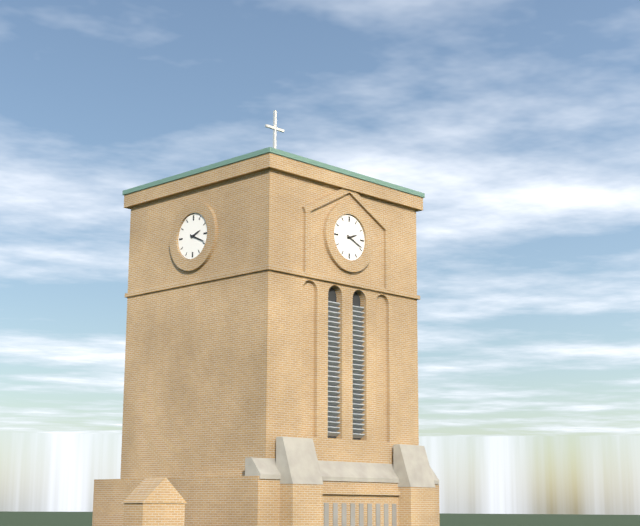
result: 2 h 19 min
